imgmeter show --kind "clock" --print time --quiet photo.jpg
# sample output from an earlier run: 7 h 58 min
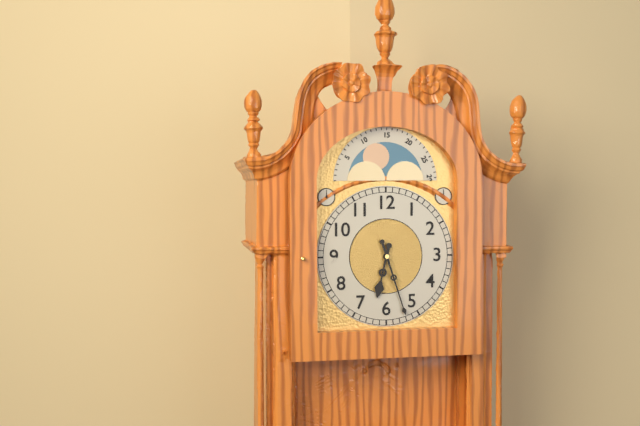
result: 6 h 27 min
